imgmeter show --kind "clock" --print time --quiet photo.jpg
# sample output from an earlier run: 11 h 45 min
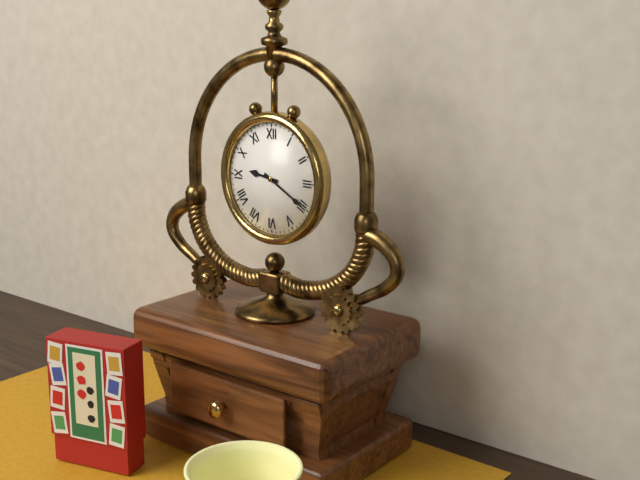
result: 9 h 20 min
